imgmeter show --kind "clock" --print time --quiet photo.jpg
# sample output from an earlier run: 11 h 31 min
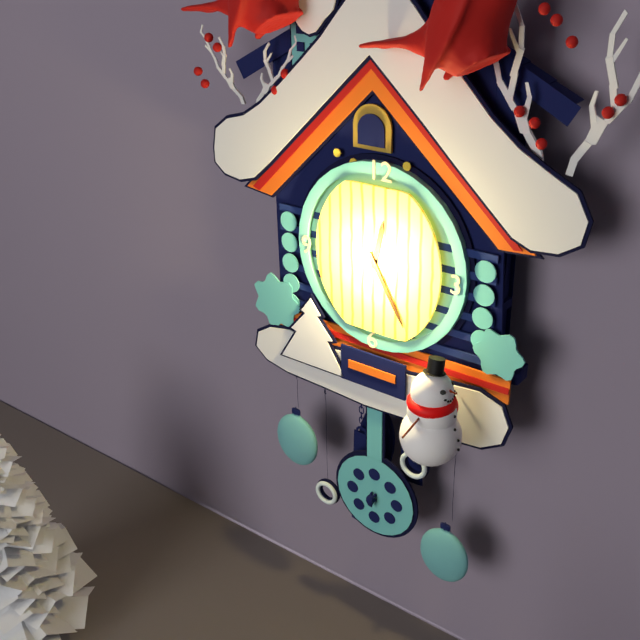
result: 12 h 25 min
